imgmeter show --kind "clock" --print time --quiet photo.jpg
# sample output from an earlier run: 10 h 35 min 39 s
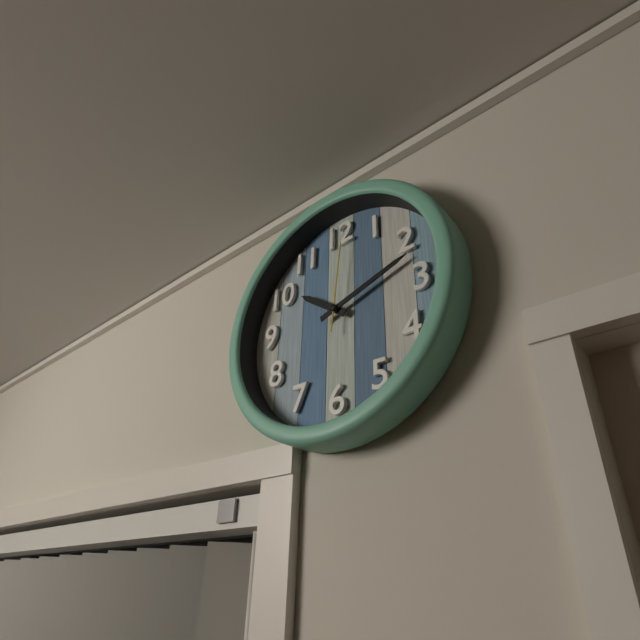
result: 10 h 12 min 01 s
